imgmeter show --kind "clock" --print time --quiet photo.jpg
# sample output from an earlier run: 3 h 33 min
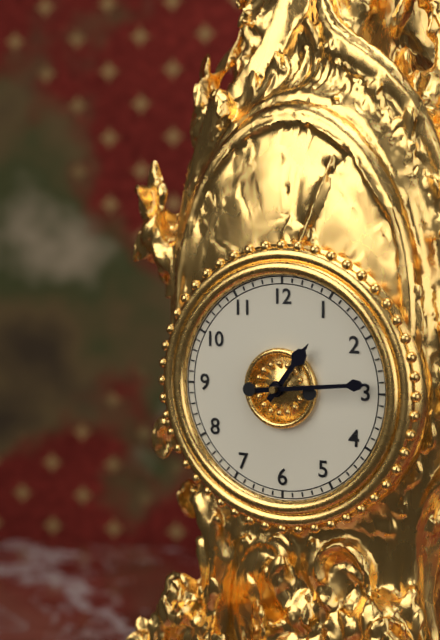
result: 1 h 14 min
